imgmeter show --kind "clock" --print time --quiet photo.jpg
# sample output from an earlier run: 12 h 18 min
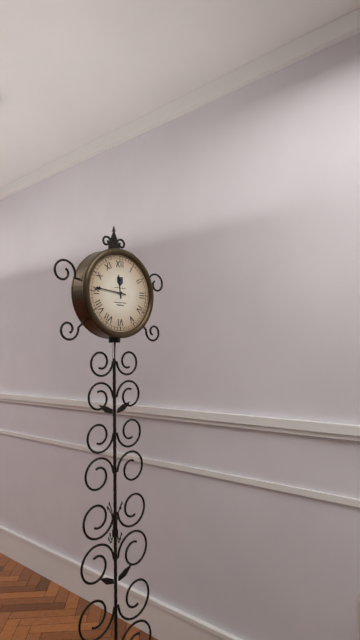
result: 11 h 46 min
